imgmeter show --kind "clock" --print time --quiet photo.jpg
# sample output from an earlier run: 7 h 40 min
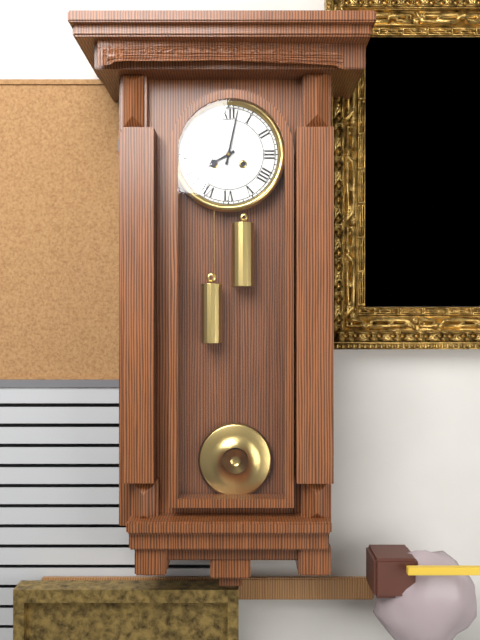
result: 8 h 02 min
